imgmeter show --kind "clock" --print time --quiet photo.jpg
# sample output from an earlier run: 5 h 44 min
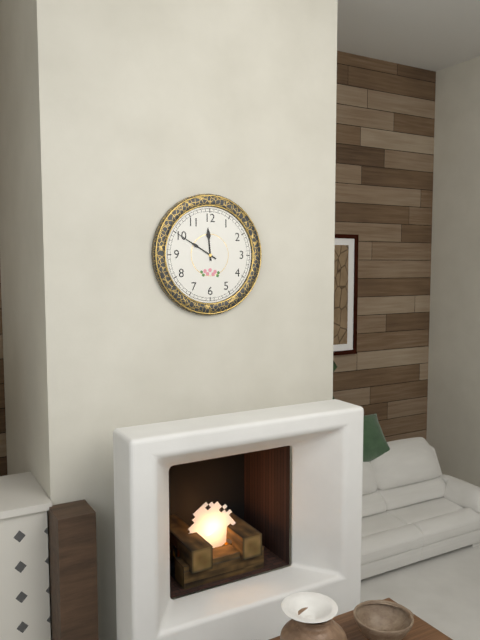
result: 11 h 50 min
